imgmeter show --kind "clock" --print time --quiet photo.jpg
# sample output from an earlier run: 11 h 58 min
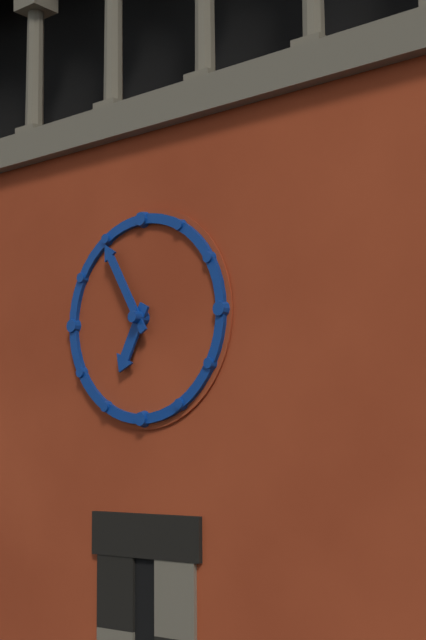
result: 6 h 55 min
